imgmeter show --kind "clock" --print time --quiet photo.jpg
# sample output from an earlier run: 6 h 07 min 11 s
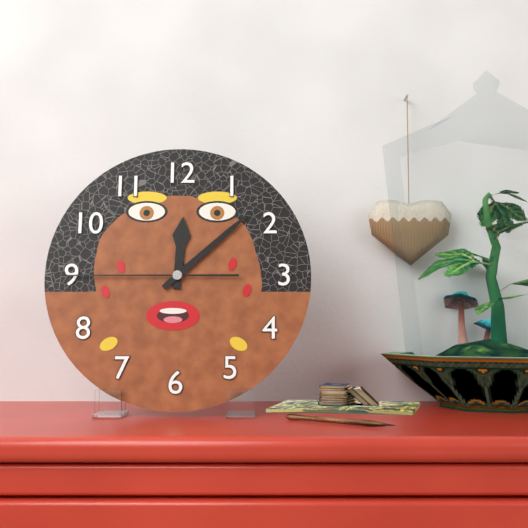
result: 12 h 08 min 45 s
